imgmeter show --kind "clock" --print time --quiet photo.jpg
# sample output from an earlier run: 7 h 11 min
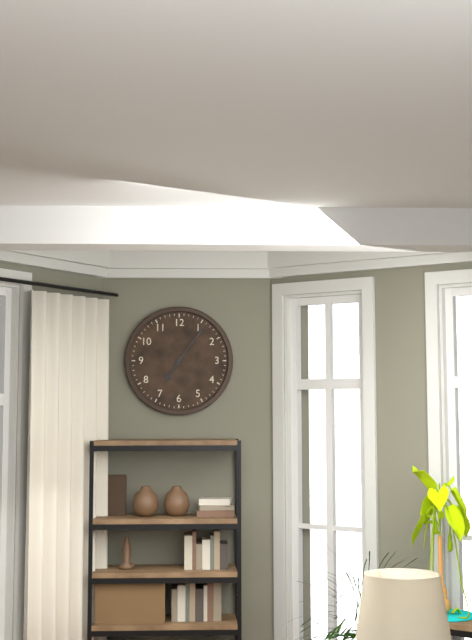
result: 7 h 06 min
